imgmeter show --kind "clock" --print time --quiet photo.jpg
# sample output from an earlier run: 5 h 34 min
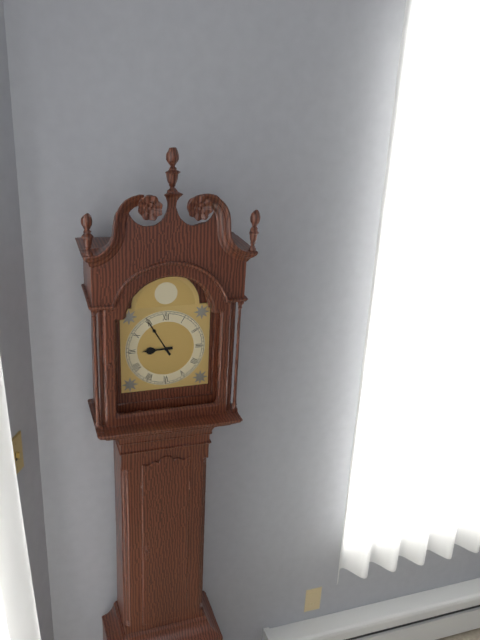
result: 8 h 55 min
